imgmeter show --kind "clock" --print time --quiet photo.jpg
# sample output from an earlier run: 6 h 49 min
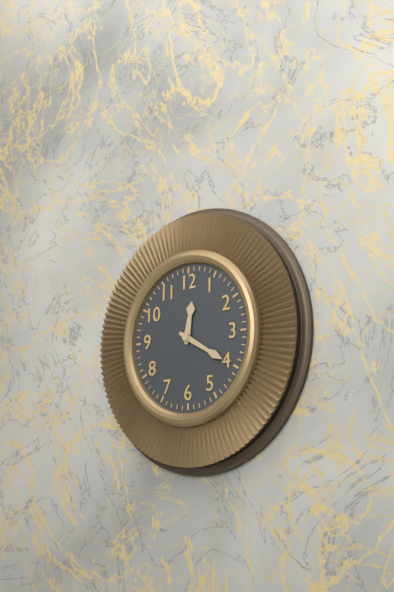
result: 12 h 20 min
